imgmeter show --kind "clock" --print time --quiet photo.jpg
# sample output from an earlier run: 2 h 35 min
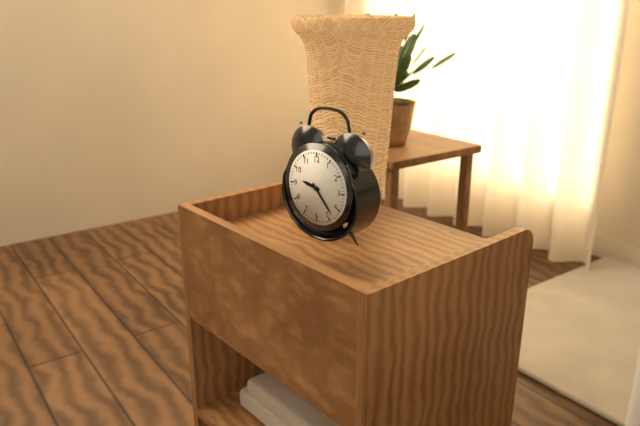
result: 9 h 23 min
